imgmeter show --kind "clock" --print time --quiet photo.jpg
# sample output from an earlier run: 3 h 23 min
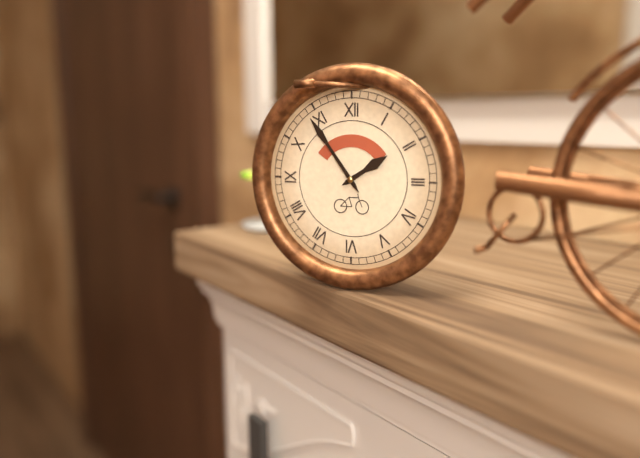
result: 1 h 54 min
